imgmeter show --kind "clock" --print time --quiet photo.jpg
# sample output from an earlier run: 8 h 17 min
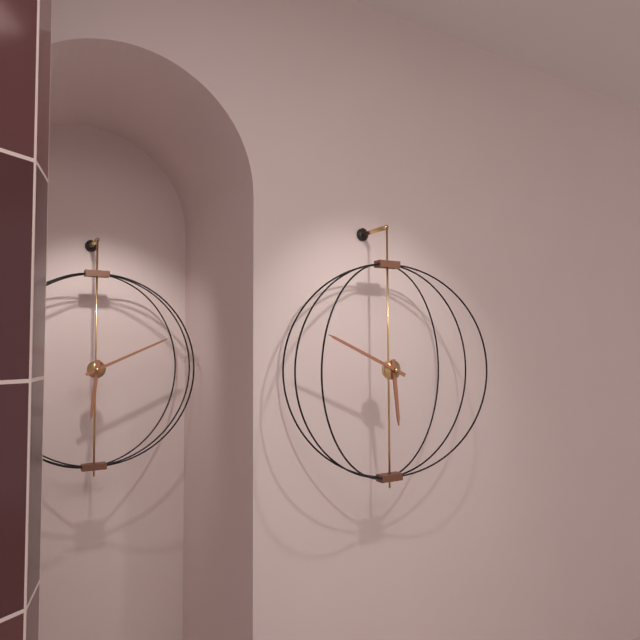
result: 5 h 49 min
